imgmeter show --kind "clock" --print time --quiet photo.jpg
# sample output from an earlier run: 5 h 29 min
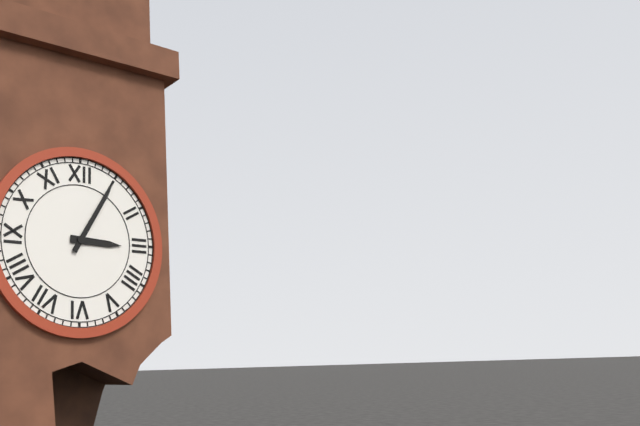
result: 3 h 05 min
